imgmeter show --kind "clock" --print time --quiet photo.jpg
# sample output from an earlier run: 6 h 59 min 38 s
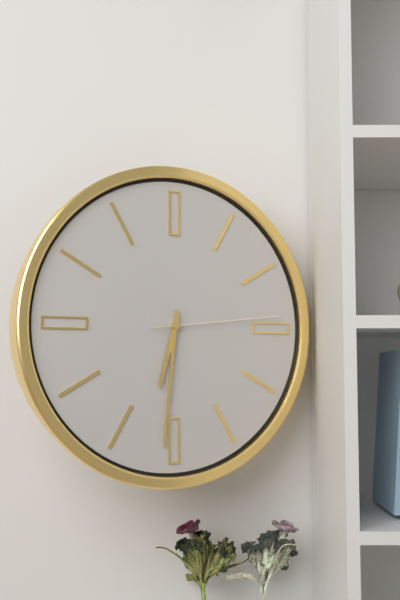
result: 6 h 31 min 14 s
